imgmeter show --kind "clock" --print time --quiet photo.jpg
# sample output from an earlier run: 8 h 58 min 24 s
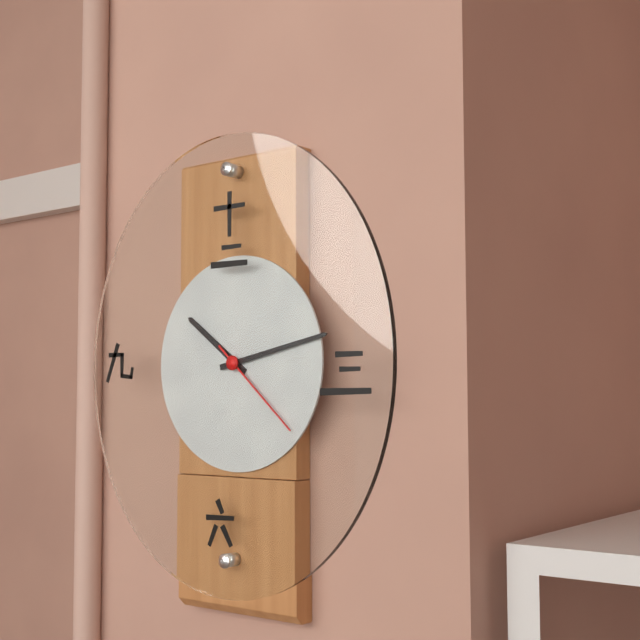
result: 10 h 13 min 22 s
